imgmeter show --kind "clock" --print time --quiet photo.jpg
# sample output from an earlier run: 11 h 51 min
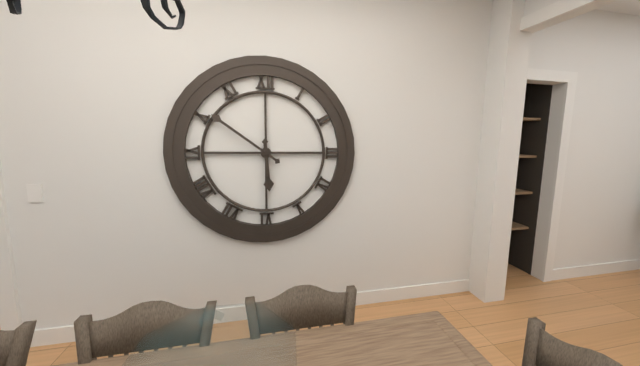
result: 5 h 51 min
